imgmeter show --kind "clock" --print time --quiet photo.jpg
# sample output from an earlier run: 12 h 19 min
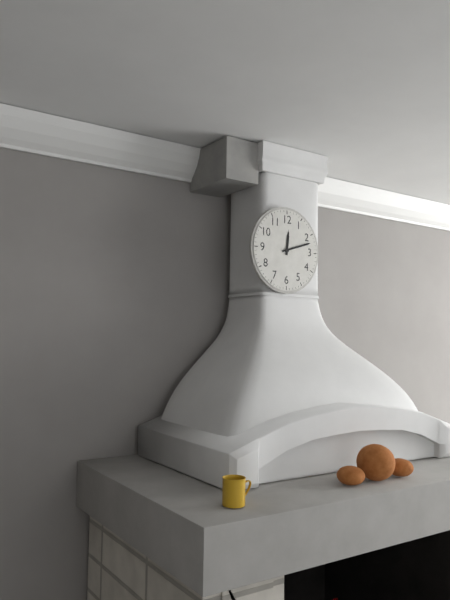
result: 12 h 12 min
